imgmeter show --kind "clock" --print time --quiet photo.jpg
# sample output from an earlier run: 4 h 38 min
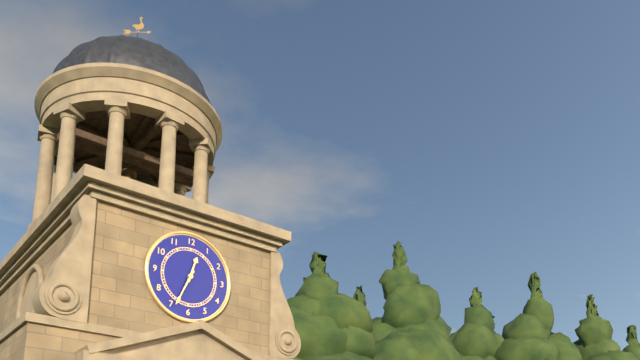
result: 12 h 34 min
